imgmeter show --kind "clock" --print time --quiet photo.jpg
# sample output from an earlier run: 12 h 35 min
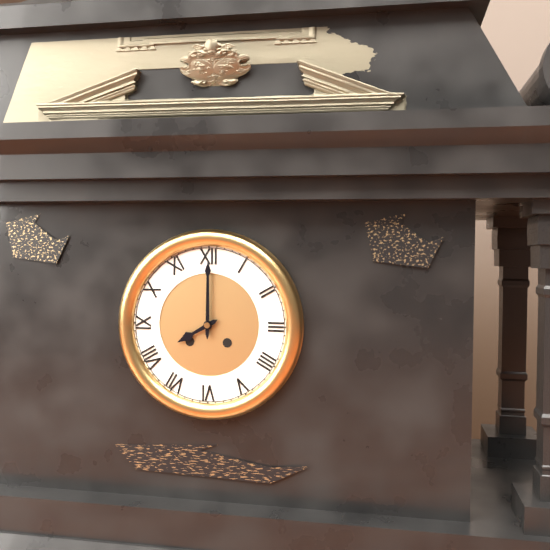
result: 8 h 00 min
